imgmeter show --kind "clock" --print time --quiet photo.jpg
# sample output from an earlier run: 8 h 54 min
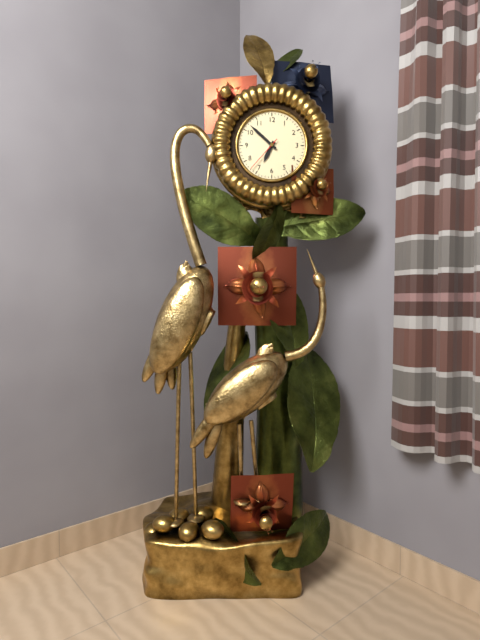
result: 6 h 52 min
